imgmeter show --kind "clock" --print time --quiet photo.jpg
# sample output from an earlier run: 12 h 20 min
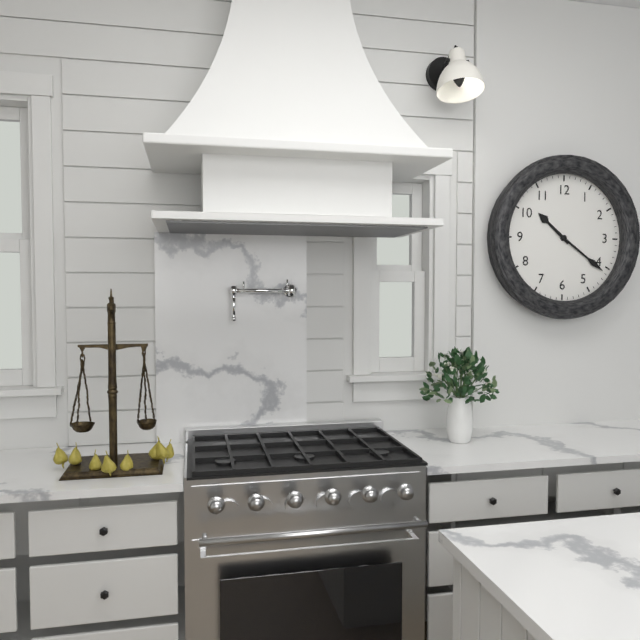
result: 10 h 21 min
